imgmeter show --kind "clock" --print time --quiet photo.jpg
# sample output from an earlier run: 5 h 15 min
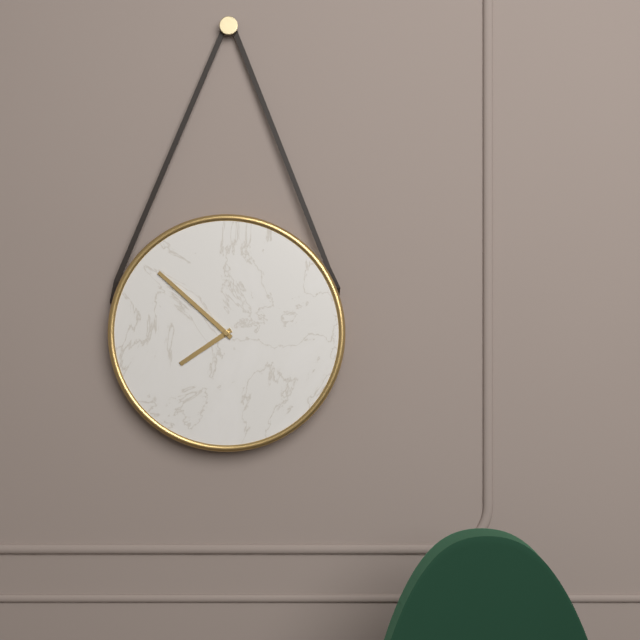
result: 7 h 52 min
